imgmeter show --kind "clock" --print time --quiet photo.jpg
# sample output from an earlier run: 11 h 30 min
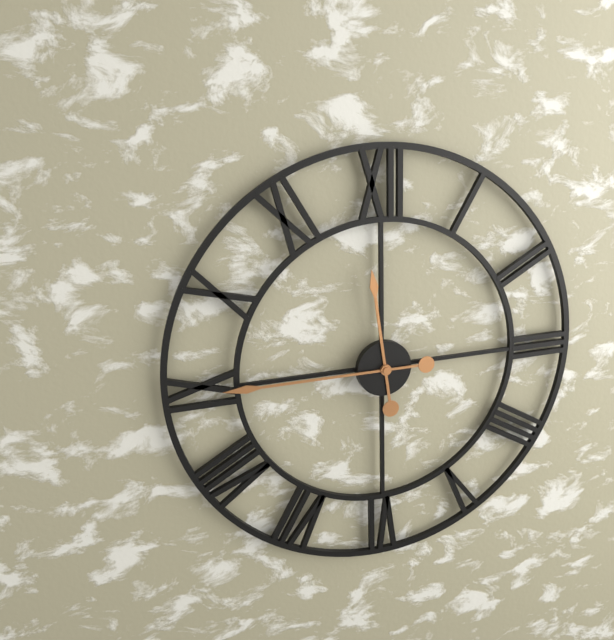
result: 11 h 45 min
